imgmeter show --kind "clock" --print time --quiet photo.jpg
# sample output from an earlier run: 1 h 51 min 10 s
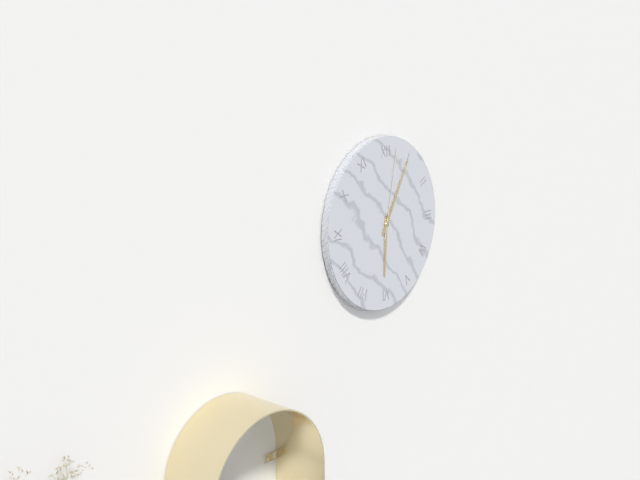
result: 6 h 05 min 02 s
